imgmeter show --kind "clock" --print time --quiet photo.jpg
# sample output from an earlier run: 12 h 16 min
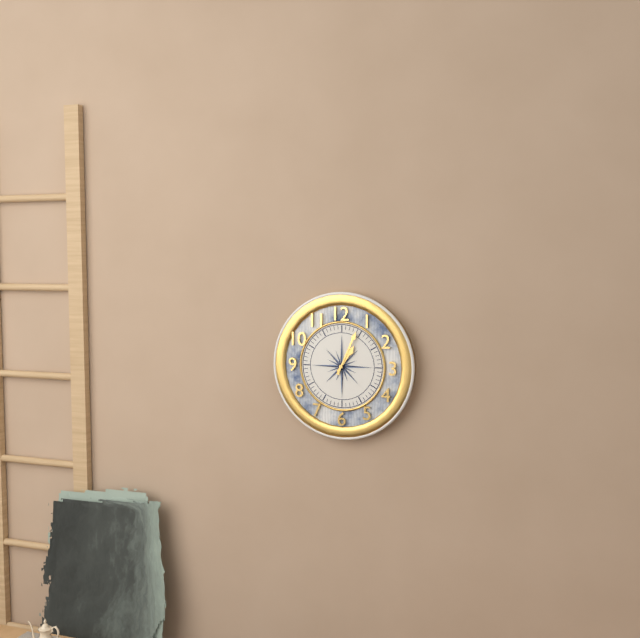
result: 1 h 04 min
